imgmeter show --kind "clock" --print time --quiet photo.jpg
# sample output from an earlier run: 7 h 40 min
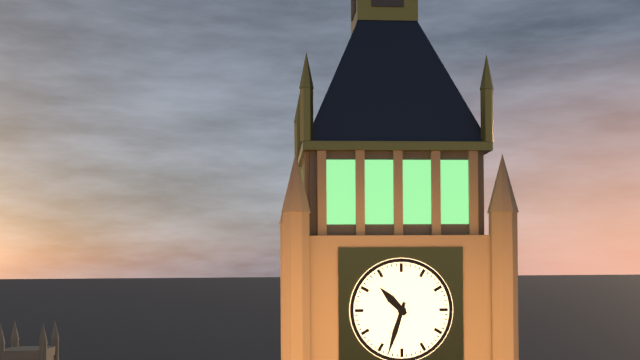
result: 10 h 33 min
